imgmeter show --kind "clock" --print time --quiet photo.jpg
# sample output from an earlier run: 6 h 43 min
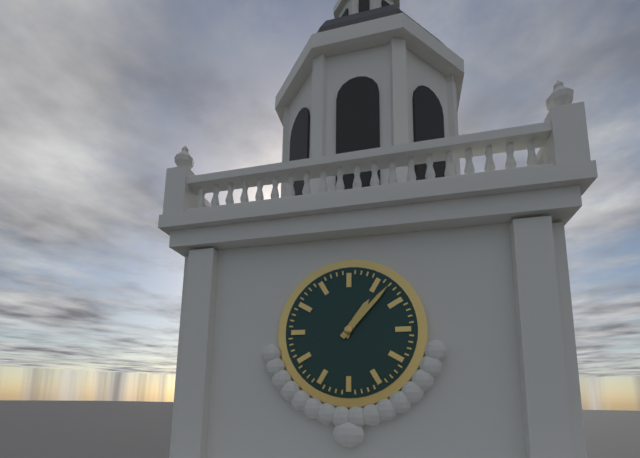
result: 1 h 07 min
